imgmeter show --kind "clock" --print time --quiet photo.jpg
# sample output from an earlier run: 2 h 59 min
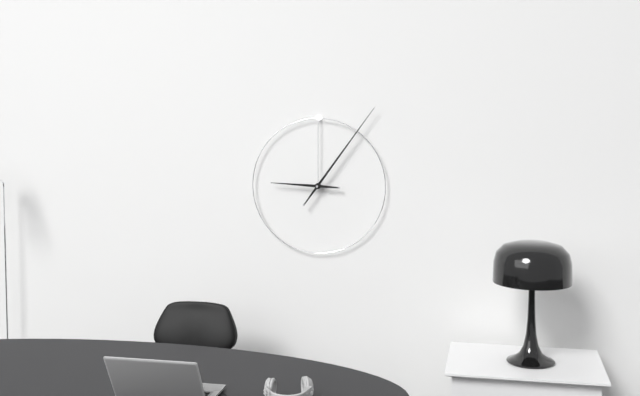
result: 9 h 06 min
